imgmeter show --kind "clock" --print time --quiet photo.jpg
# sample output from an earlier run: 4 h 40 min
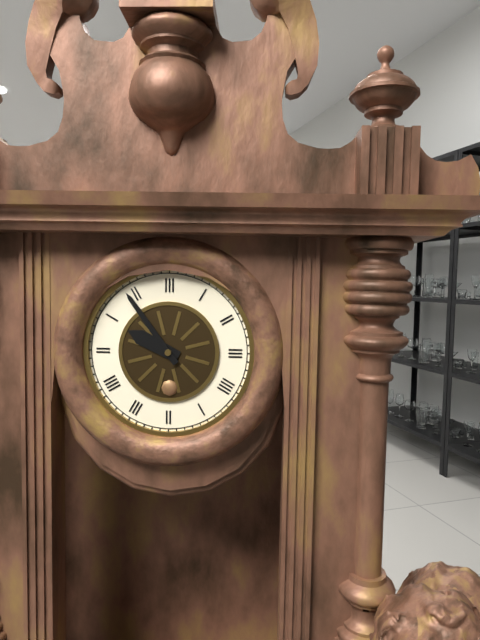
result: 9 h 54 min
